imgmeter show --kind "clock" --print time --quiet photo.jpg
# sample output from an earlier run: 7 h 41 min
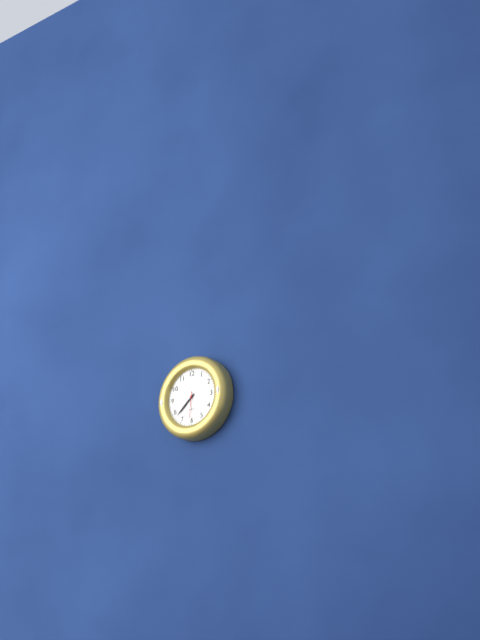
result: 7 h 38 min
